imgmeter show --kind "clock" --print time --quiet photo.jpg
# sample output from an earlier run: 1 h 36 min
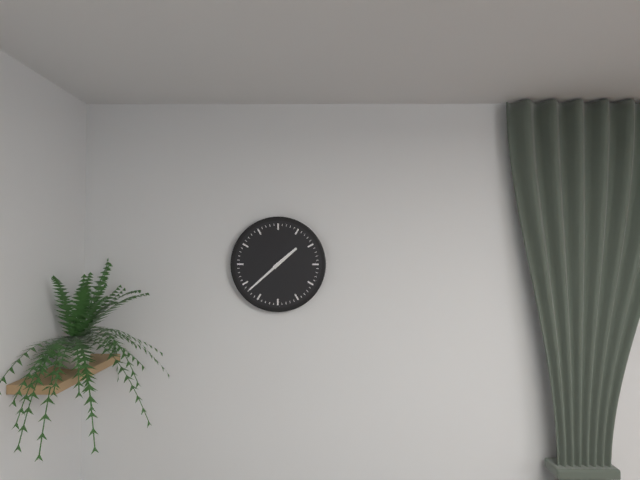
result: 1 h 38 min
